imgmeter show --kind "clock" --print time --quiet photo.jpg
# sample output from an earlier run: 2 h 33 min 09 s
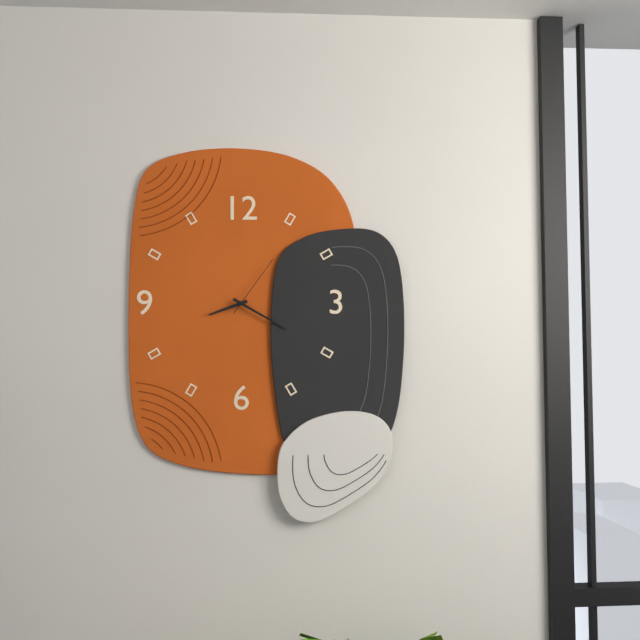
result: 8 h 20 min 06 s
